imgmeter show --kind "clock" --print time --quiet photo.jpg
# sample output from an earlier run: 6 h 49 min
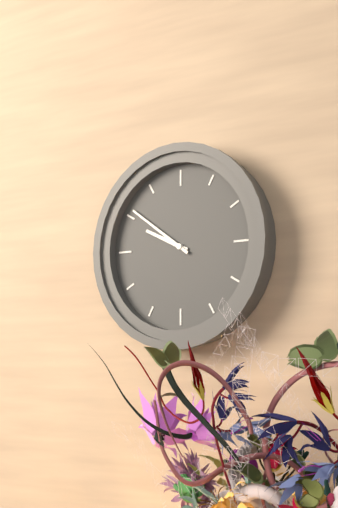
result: 9 h 51 min
